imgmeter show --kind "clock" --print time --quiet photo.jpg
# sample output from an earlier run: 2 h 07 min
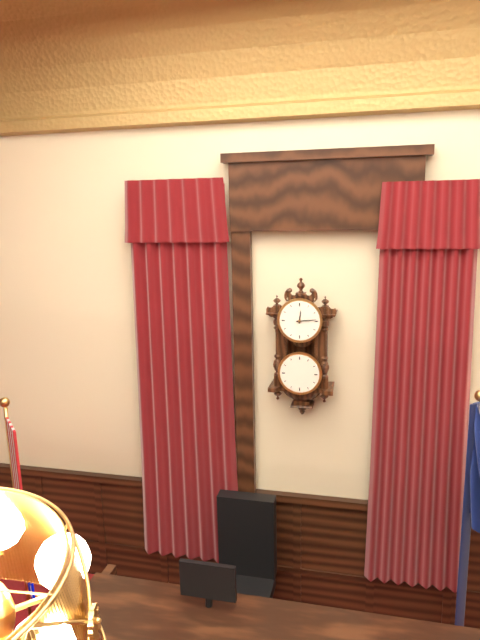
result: 12 h 14 min
